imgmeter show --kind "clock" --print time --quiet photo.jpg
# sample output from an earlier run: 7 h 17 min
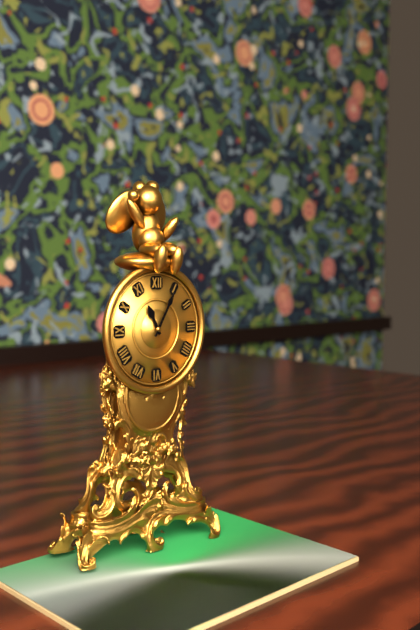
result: 11 h 05 min
